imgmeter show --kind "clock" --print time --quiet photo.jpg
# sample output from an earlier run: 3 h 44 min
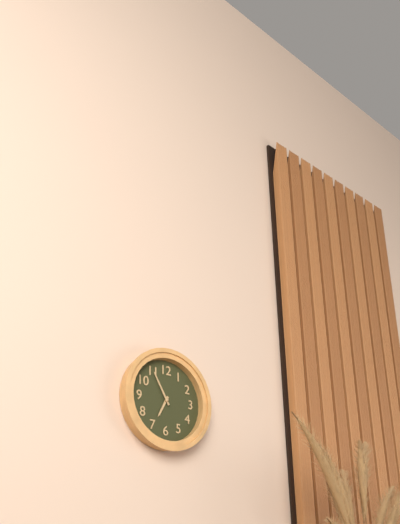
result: 6 h 55 min
